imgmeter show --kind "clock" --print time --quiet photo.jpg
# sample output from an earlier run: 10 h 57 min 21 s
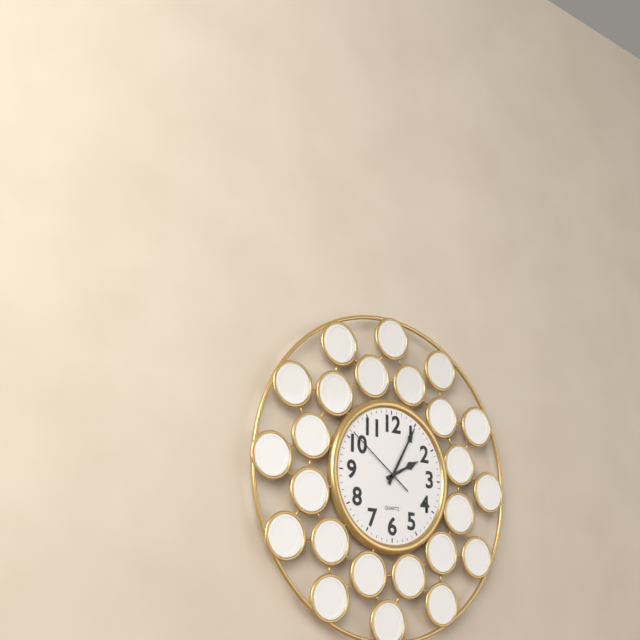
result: 2 h 05 min 51 s
